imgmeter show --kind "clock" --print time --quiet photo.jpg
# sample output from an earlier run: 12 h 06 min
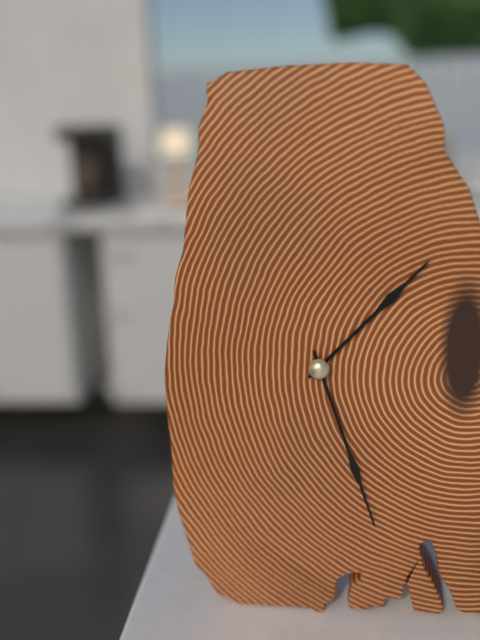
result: 1 h 27 min
